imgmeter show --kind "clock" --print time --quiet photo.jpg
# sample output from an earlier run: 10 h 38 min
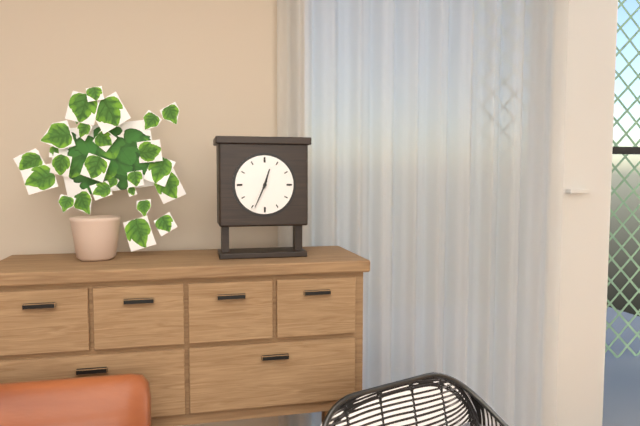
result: 12 h 34 min
